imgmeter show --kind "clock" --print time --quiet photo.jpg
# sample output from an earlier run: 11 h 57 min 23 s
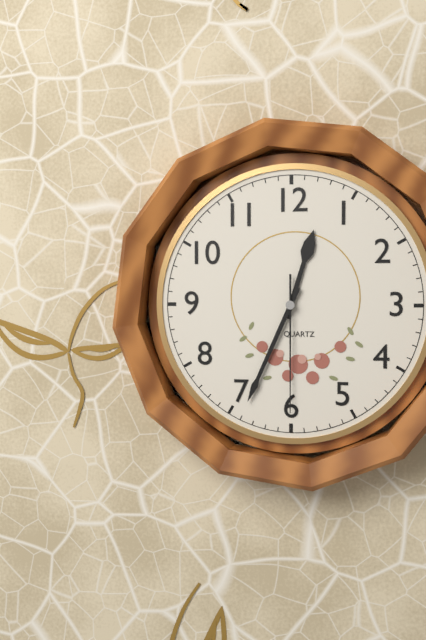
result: 12 h 34 min 30 s
